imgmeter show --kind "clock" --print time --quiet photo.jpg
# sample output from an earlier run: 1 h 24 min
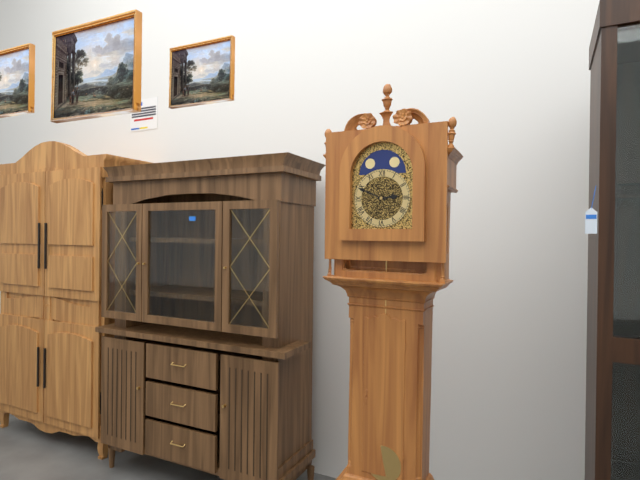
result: 2 h 49 min
